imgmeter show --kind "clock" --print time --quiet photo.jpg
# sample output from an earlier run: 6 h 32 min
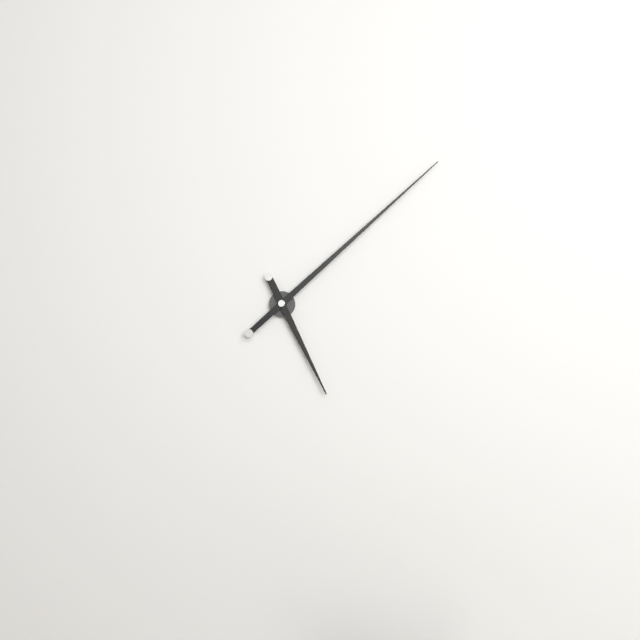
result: 5 h 08 min
